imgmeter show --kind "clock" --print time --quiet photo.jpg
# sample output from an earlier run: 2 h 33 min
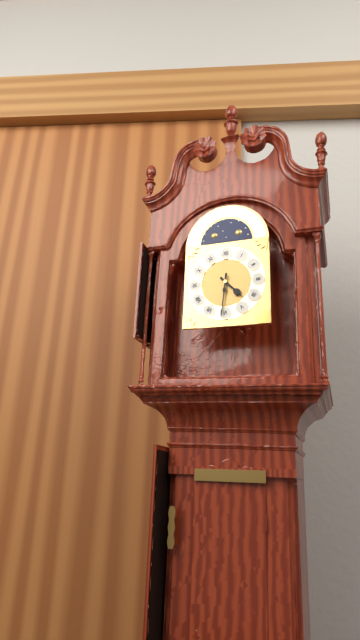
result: 4 h 31 min
